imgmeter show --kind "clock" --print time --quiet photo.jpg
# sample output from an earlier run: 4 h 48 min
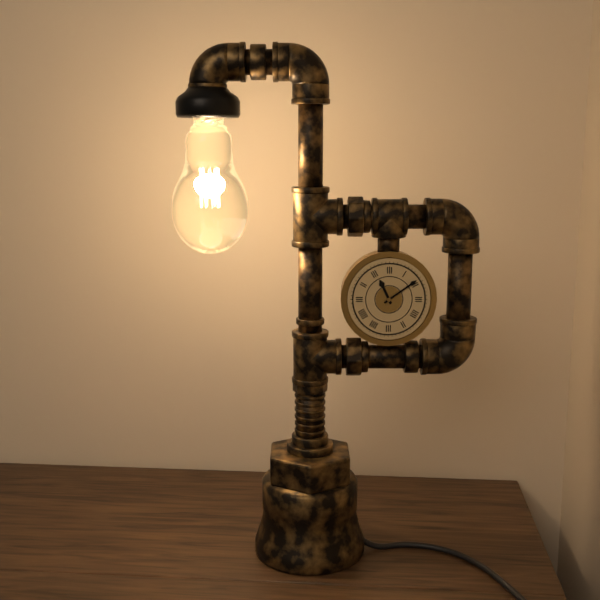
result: 11 h 09 min
